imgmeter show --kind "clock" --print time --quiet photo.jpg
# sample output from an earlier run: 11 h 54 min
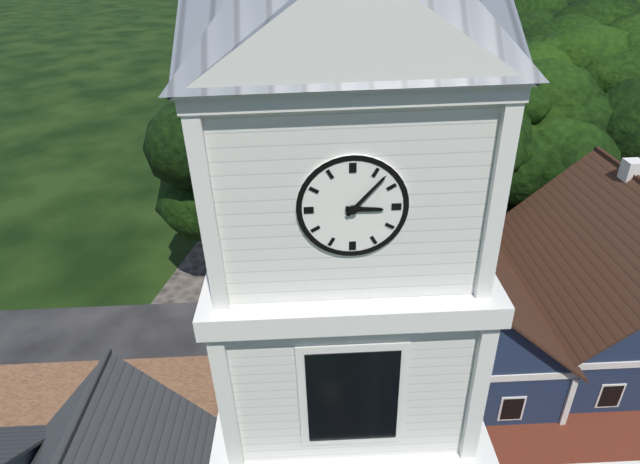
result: 3 h 07 min
